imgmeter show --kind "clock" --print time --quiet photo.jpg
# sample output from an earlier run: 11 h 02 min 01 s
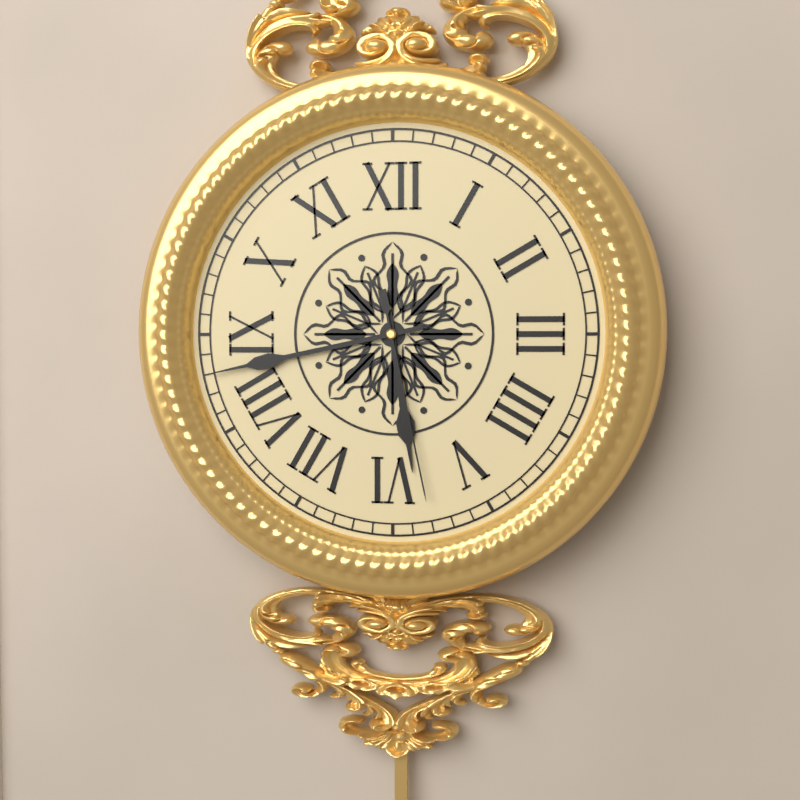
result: 5 h 43 min 28 s
